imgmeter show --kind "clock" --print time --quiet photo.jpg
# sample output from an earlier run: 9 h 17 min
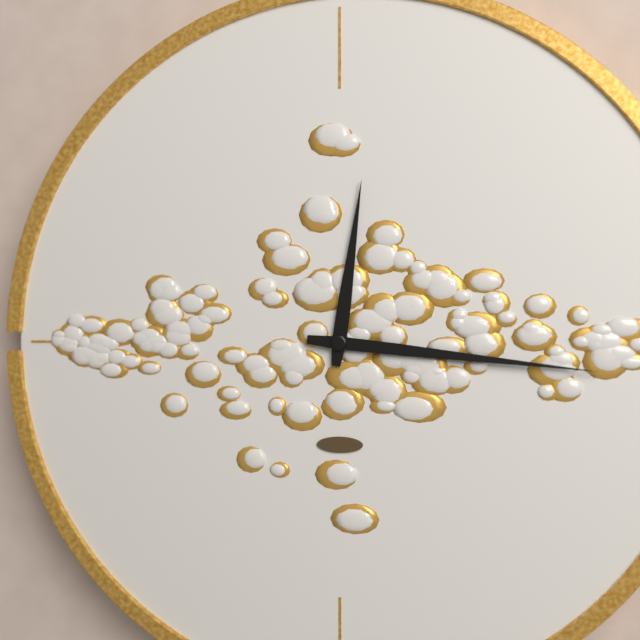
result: 12 h 16 min
